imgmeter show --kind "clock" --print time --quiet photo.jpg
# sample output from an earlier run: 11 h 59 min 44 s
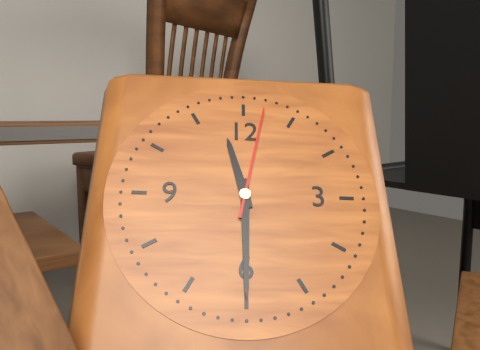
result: 11 h 30 min 02 s
